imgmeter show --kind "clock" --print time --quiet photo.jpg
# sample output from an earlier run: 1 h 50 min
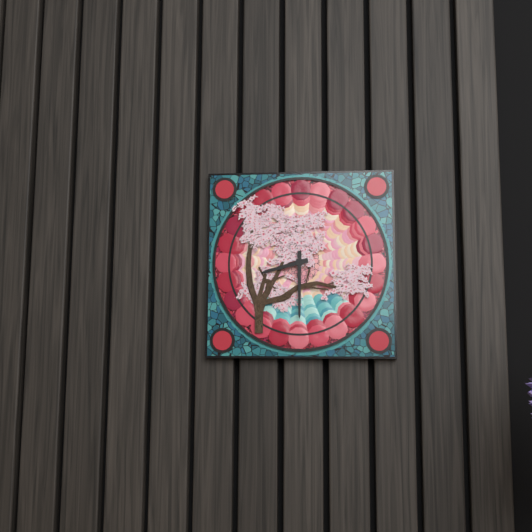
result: 8 h 30 min
